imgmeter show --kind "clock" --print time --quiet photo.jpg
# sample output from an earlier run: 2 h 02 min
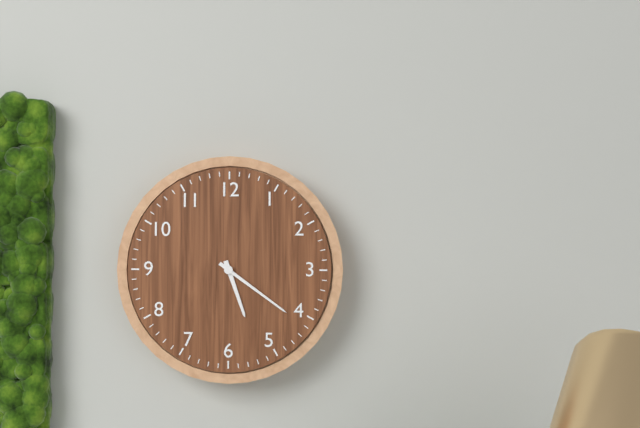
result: 5 h 21 min
